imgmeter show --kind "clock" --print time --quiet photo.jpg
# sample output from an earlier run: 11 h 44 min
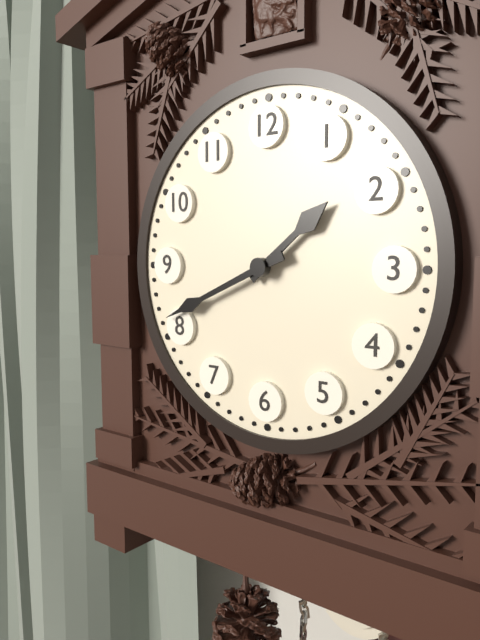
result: 1 h 41 min
